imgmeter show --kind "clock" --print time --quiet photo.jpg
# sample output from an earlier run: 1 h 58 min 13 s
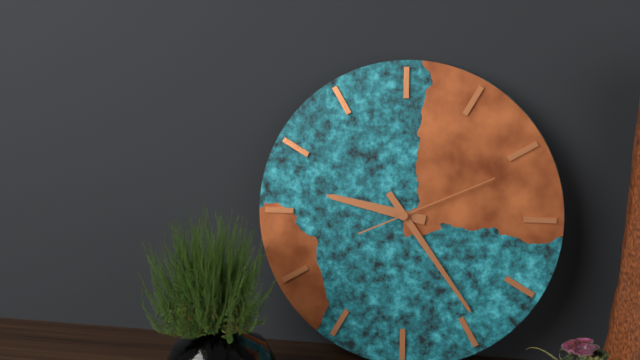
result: 9 h 24 min 11 s
